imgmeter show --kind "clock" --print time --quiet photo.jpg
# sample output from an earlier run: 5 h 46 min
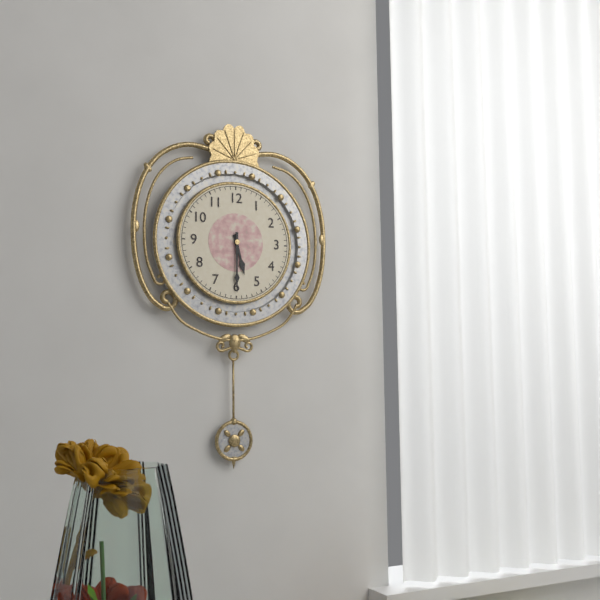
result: 5 h 30 min
